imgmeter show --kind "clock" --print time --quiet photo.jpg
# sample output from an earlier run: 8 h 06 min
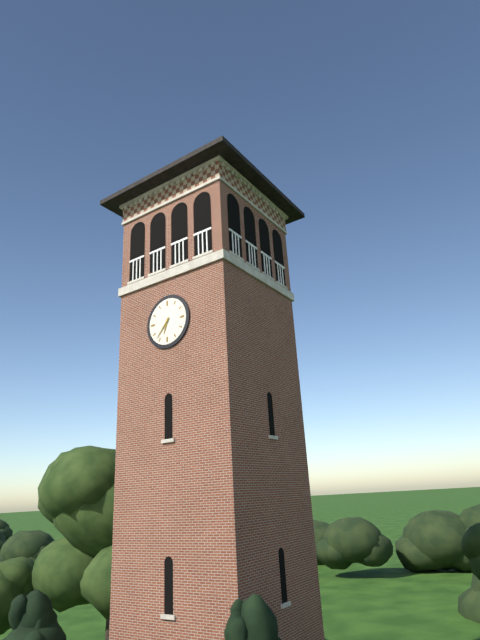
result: 6 h 37 min
